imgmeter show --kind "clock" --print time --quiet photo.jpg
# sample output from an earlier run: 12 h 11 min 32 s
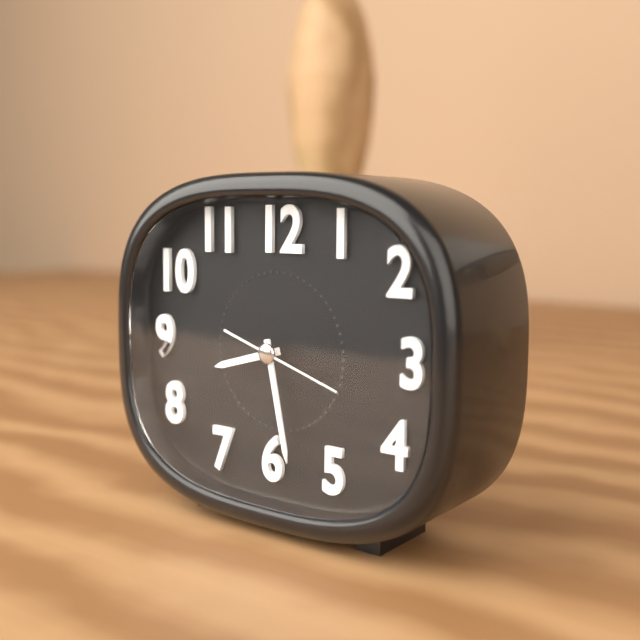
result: 8 h 28 min 18 s
